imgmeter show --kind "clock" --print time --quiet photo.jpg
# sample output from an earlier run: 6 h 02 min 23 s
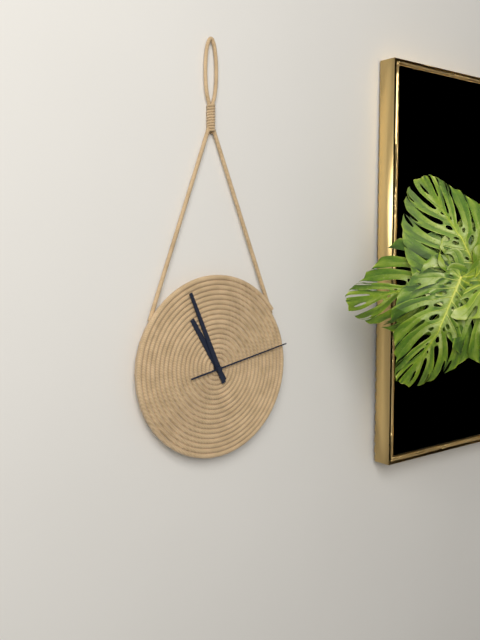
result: 10 h 56 min 13 s
